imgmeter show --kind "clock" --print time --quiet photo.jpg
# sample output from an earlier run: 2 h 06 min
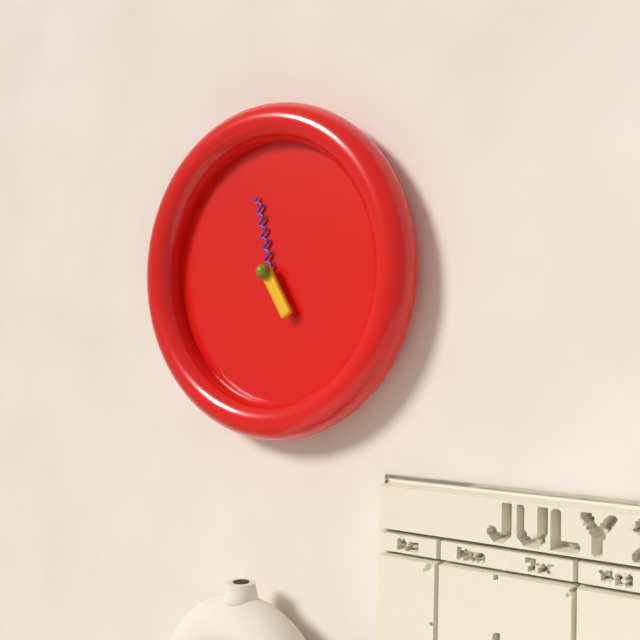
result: 4 h 58 min
